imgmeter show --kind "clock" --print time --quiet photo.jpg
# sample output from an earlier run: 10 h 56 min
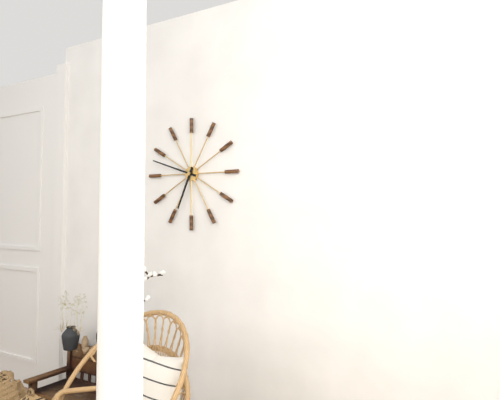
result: 6 h 48 min
